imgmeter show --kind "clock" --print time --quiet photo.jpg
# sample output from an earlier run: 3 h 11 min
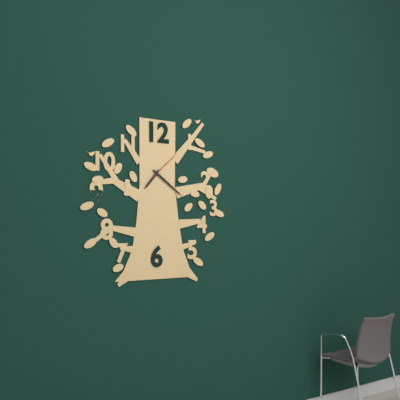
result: 7 h 21 min
